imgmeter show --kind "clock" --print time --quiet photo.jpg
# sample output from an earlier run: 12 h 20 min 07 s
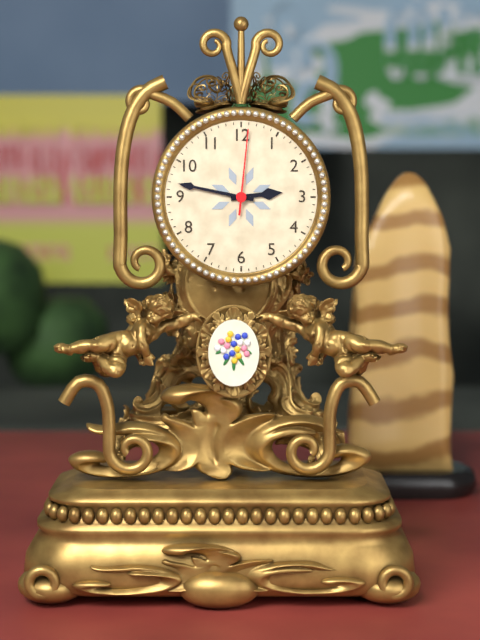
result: 2 h 47 min 01 s
